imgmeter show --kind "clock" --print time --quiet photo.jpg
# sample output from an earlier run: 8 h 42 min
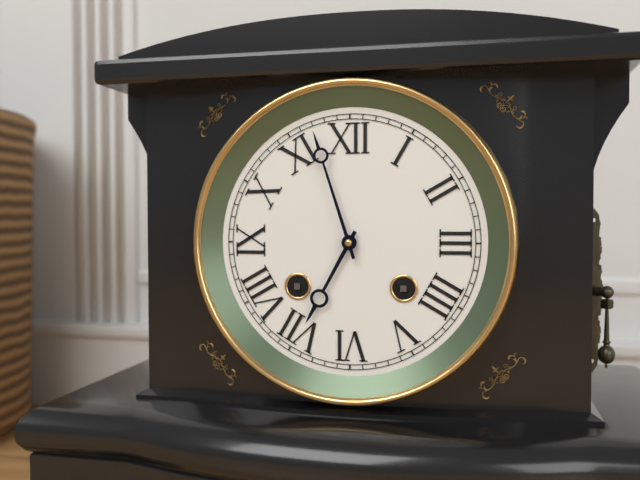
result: 6 h 57 min
